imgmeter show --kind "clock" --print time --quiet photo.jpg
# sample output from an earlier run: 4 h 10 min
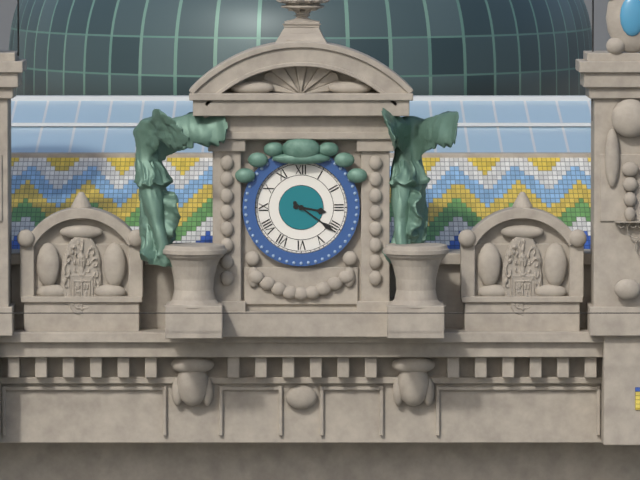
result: 3 h 21 min
